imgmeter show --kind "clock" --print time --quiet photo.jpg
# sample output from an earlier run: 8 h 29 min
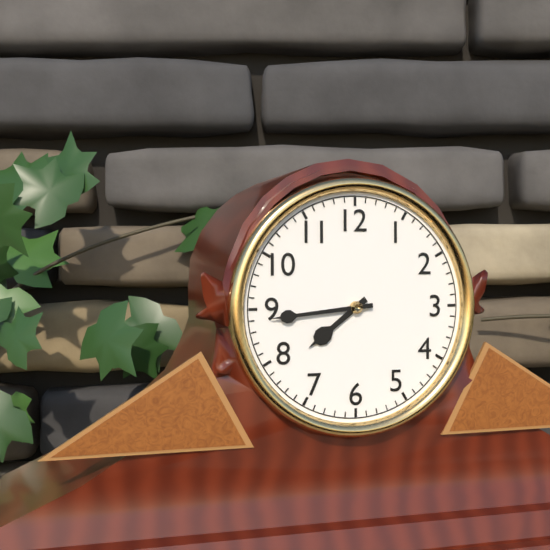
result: 7 h 44 min
